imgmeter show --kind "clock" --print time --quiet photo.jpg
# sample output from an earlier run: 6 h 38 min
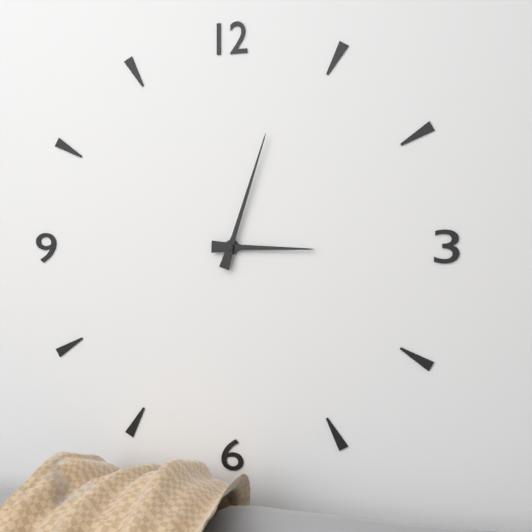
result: 3 h 03 min
